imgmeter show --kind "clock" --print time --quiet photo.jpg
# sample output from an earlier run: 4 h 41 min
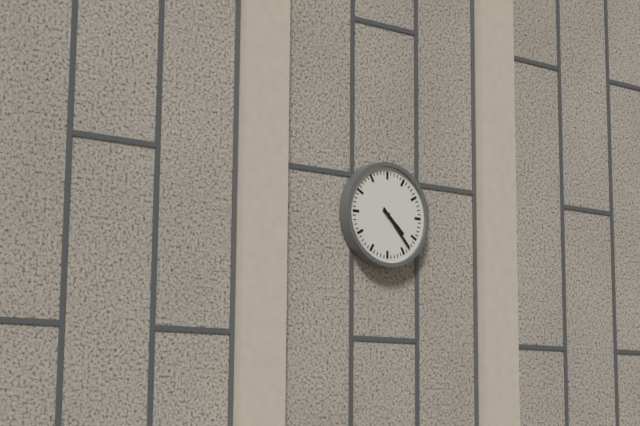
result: 4 h 23 min
